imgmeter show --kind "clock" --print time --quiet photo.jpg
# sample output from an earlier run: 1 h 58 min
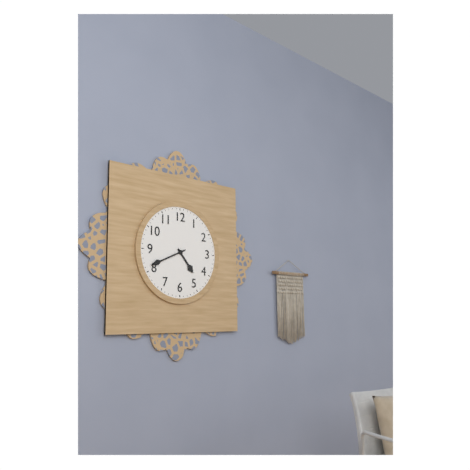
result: 4 h 41 min
